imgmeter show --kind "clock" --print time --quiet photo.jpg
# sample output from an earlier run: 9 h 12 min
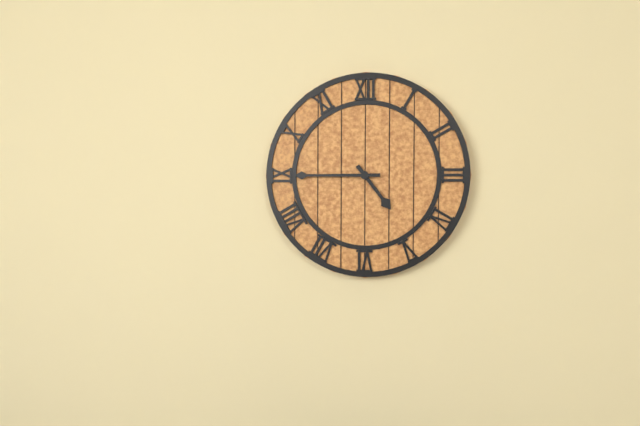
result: 4 h 45 min
